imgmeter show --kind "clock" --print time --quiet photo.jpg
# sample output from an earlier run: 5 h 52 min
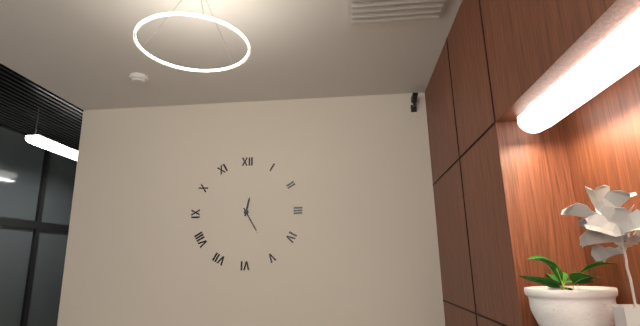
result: 12 h 25 min
